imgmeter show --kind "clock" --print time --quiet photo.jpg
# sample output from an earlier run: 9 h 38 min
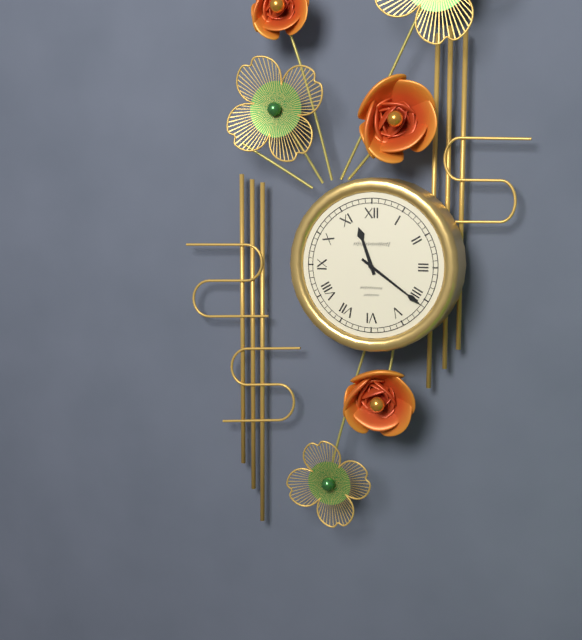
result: 11 h 21 min
